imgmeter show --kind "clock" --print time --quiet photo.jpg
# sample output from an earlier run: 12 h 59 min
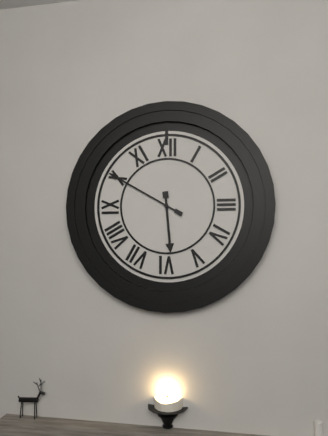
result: 5 h 50 min
